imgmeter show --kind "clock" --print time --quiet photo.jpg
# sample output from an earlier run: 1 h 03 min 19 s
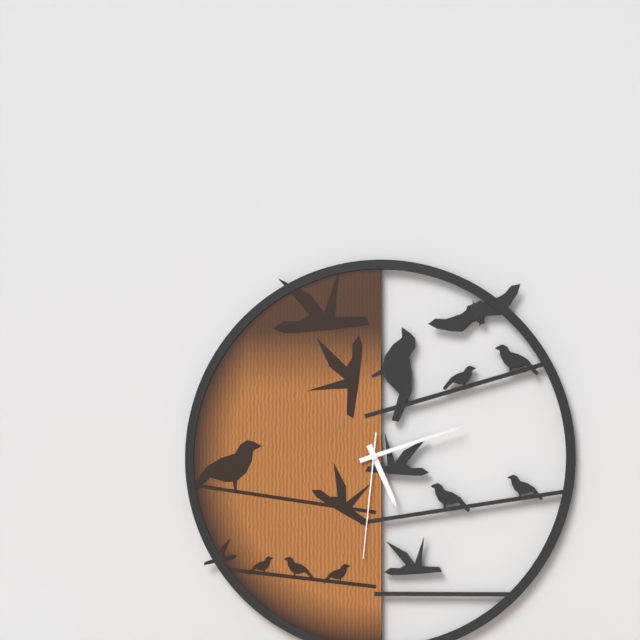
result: 5 h 12 min 31 s
